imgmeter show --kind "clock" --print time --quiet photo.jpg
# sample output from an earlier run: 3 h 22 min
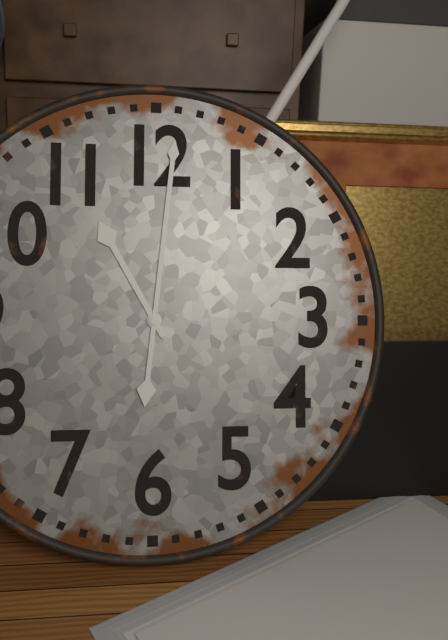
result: 11 h 01 min
